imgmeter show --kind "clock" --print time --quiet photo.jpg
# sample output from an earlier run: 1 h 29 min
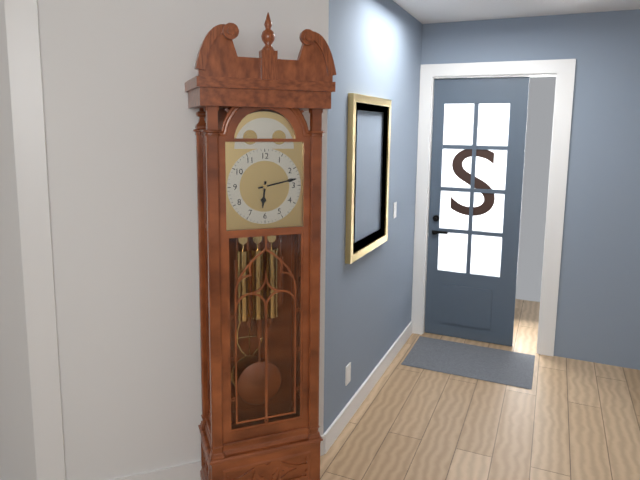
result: 6 h 13 min
